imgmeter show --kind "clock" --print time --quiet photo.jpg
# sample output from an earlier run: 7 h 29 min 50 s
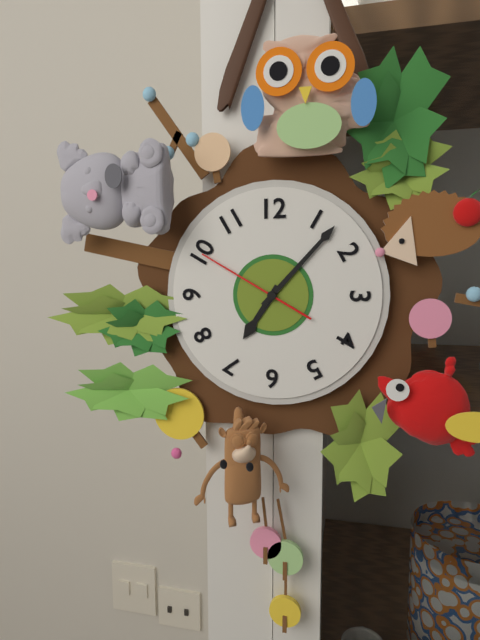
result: 7 h 07 min 50 s
